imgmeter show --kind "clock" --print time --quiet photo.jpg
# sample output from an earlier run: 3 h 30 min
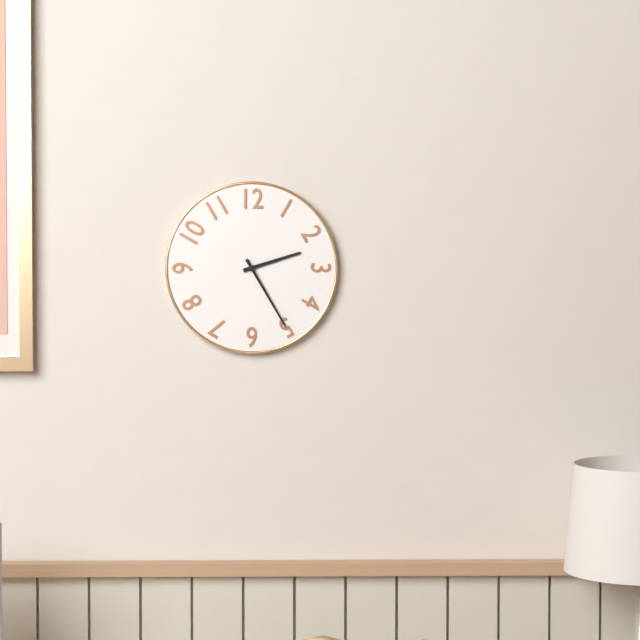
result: 2 h 25 min
